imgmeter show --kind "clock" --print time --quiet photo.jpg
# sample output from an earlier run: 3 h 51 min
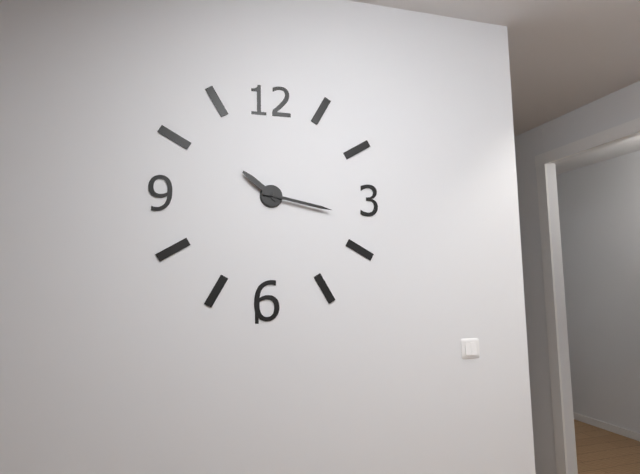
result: 10 h 17 min
